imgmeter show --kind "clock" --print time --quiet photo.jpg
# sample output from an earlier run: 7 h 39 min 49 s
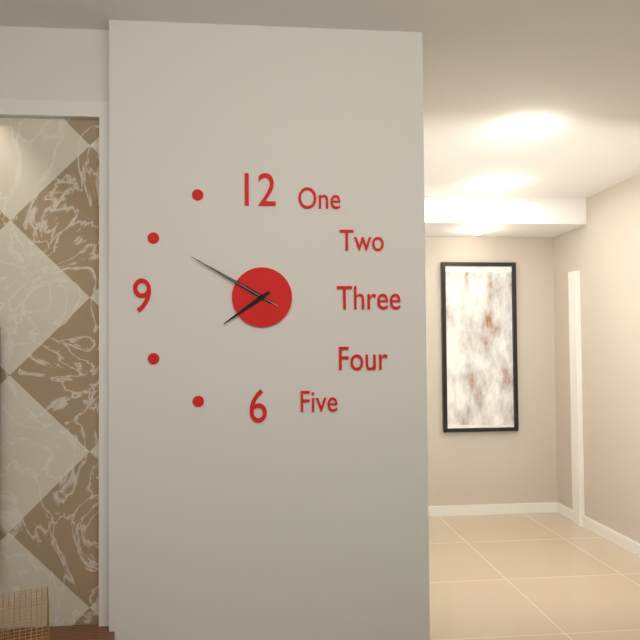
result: 7 h 50 min 50 s
